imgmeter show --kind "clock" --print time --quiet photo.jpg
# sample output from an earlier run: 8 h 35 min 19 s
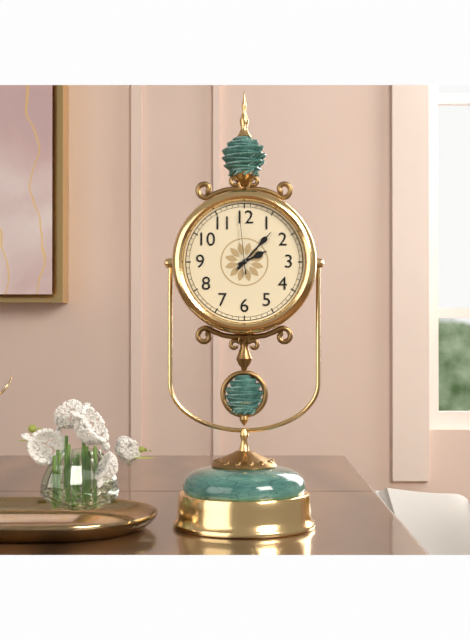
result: 2 h 07 min 59 s
